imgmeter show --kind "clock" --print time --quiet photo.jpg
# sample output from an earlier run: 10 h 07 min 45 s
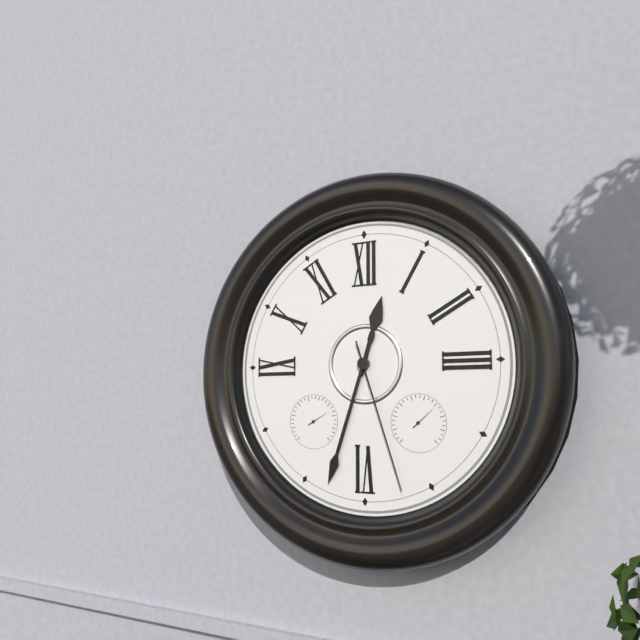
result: 12 h 33 min 27 s
